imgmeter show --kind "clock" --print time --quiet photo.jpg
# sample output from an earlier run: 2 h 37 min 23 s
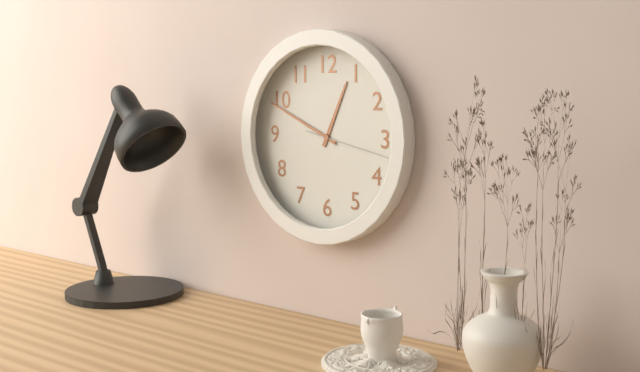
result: 12 h 49 min 17 s
